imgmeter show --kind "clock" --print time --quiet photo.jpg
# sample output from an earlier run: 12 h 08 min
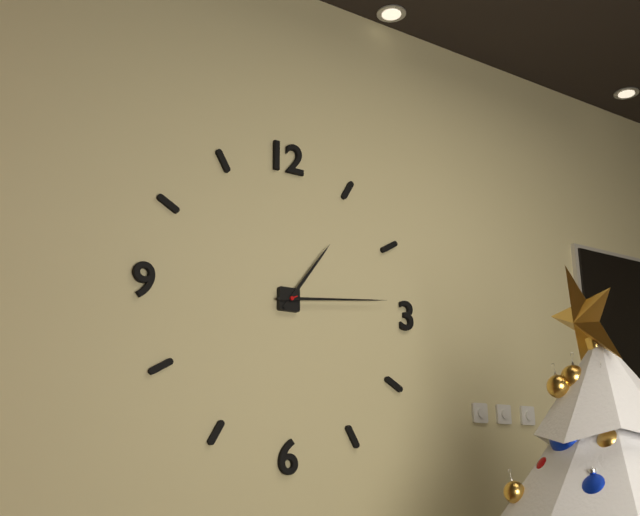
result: 1 h 14 min
